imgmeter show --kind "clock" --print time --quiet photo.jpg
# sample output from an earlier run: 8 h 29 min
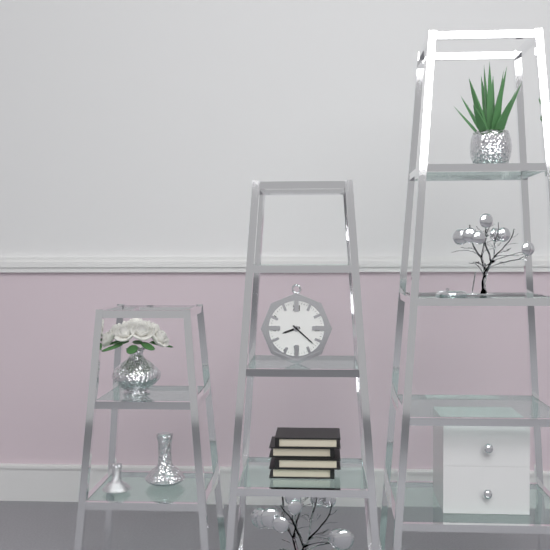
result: 8 h 22 min
